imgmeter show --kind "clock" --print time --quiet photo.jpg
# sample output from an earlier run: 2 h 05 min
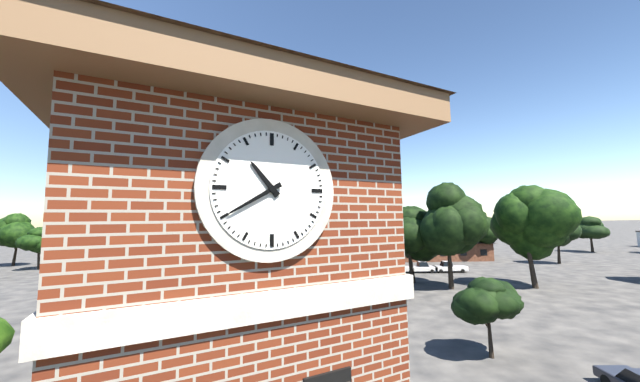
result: 10 h 40 min
